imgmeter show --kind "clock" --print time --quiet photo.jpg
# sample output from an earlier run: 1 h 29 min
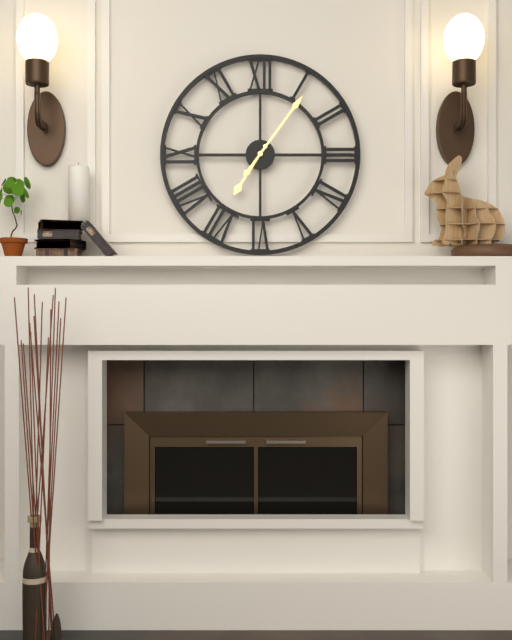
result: 7 h 06 min
